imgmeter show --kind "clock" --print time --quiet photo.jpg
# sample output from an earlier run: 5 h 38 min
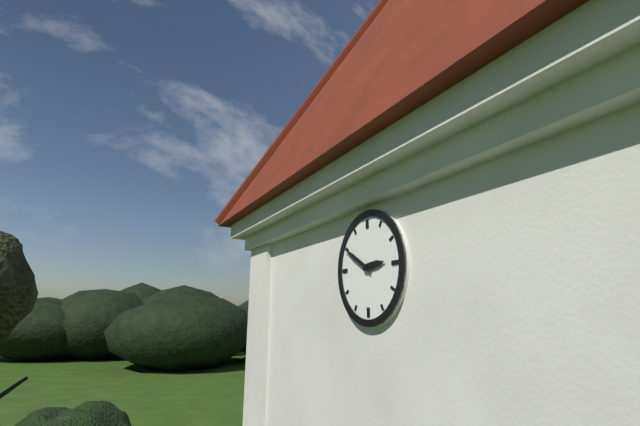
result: 2 h 50 min
